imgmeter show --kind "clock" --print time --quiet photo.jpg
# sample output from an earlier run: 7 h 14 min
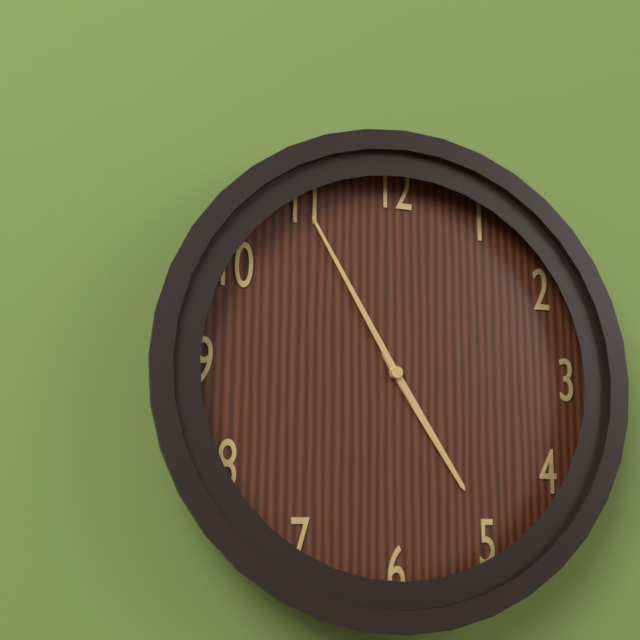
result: 4 h 55 min
